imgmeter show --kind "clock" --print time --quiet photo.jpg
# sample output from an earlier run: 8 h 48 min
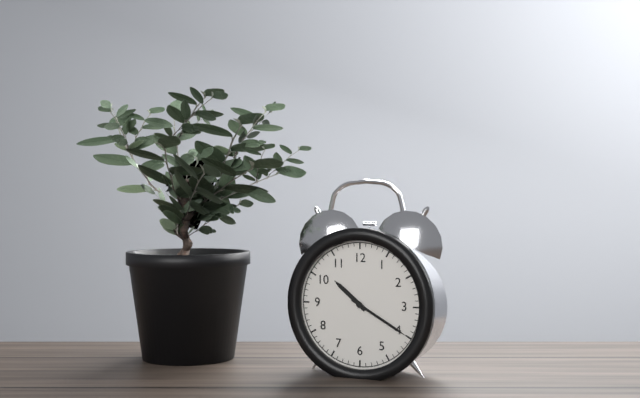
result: 10 h 20 min
